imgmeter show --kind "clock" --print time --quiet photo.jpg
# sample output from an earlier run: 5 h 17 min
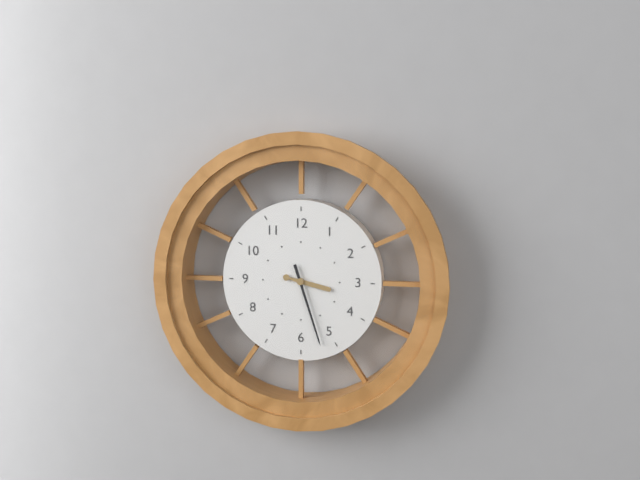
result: 3 h 27 min
